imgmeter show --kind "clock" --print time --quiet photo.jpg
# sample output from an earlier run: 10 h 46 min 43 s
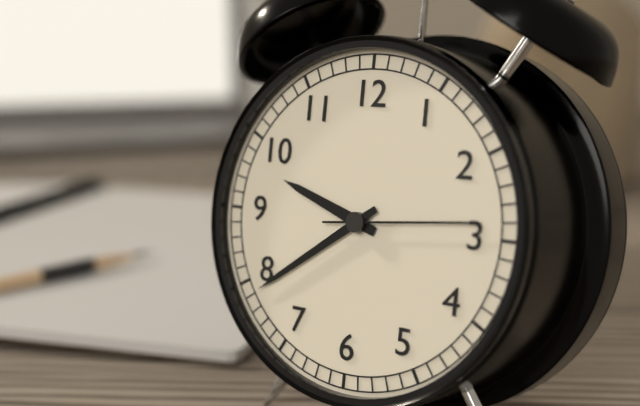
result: 9 h 39 min 14 s
